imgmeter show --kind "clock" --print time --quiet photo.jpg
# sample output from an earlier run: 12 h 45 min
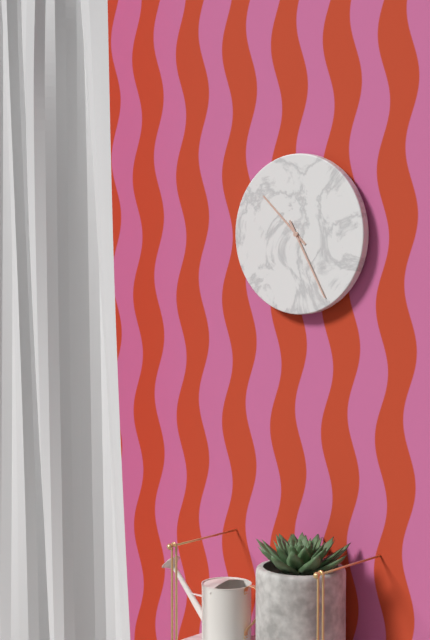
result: 10 h 25 min
